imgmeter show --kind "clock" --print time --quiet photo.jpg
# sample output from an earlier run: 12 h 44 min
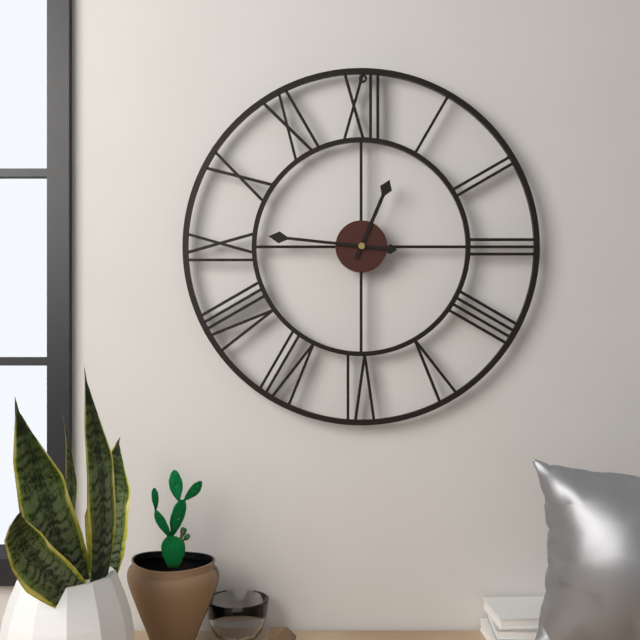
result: 12 h 46 min
